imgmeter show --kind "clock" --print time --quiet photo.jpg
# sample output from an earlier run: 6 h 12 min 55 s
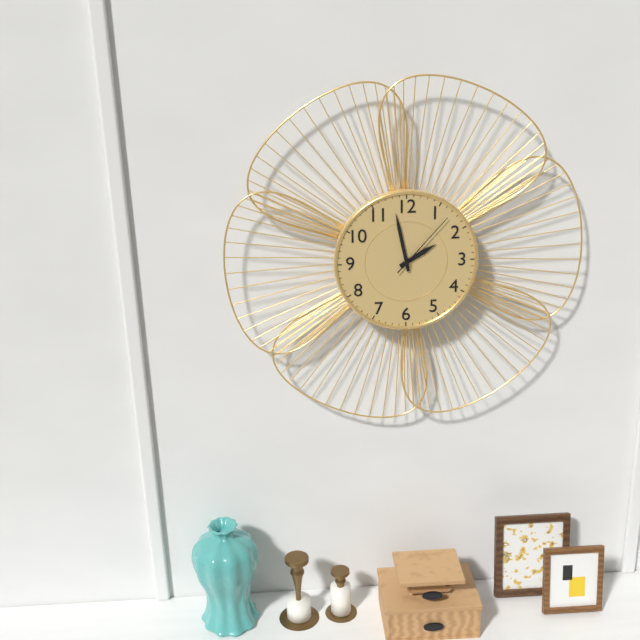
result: 1 h 58 min 07 s
